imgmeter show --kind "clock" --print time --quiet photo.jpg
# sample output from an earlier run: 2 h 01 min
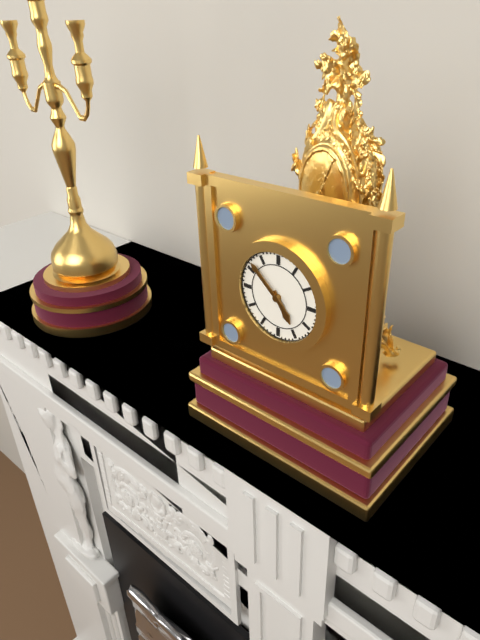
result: 4 h 52 min
